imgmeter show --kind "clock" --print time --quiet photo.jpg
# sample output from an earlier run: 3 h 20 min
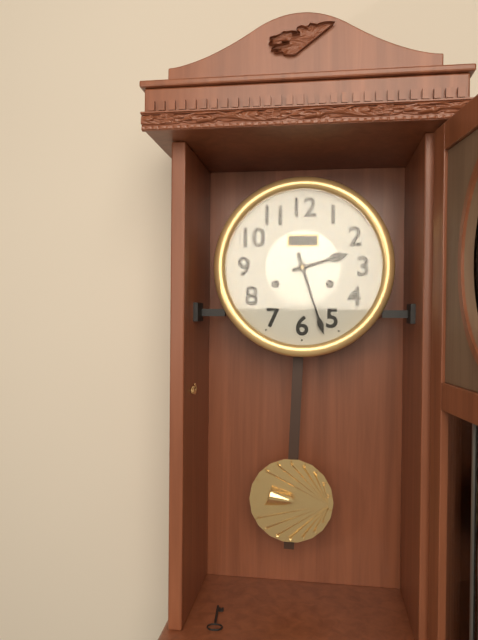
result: 2 h 27 min
